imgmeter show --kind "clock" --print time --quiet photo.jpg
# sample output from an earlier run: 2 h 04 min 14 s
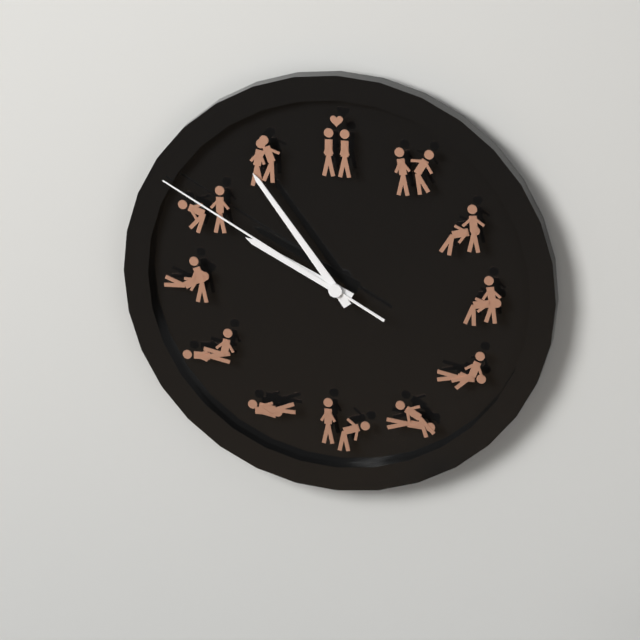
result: 9 h 54 min 50 s
